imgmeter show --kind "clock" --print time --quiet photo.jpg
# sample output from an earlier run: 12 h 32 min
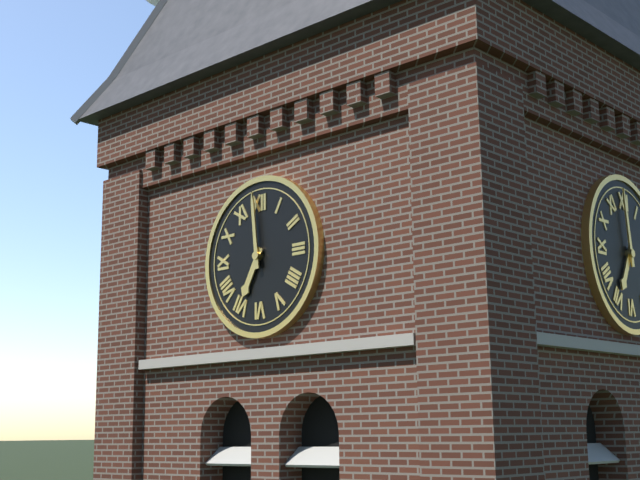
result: 6 h 59 min
